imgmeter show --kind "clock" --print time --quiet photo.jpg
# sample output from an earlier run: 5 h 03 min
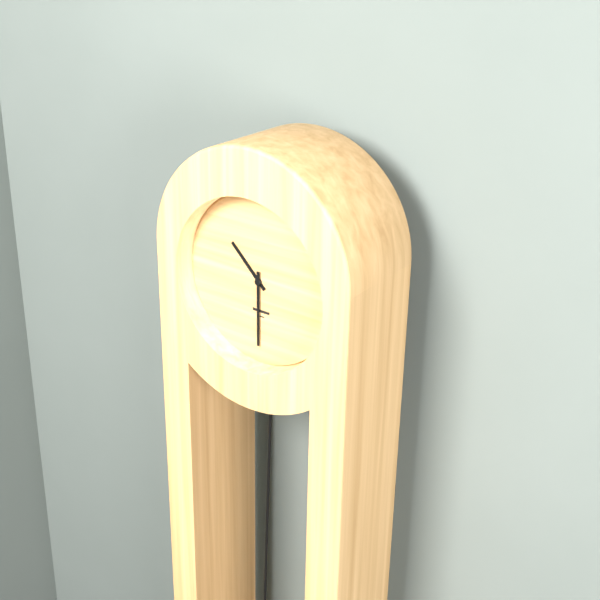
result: 10 h 30 min
